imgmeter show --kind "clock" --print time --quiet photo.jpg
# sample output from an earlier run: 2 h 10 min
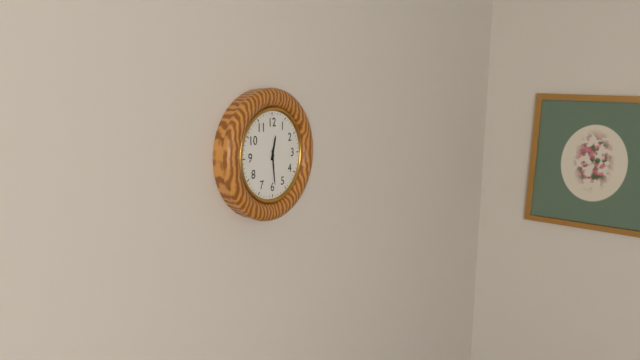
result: 12 h 29 min
